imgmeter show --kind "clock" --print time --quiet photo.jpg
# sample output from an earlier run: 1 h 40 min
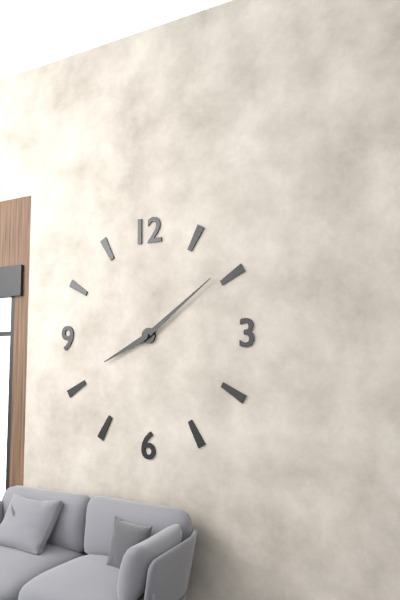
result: 8 h 09 min
